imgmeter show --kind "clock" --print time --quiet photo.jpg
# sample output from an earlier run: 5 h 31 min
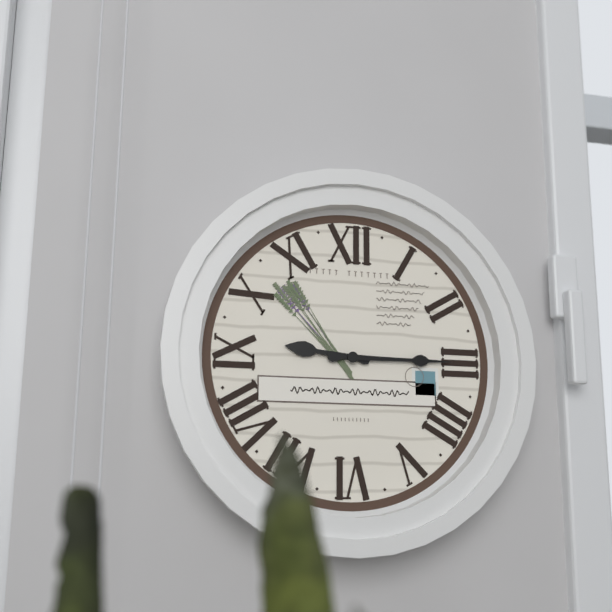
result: 9 h 15 min
